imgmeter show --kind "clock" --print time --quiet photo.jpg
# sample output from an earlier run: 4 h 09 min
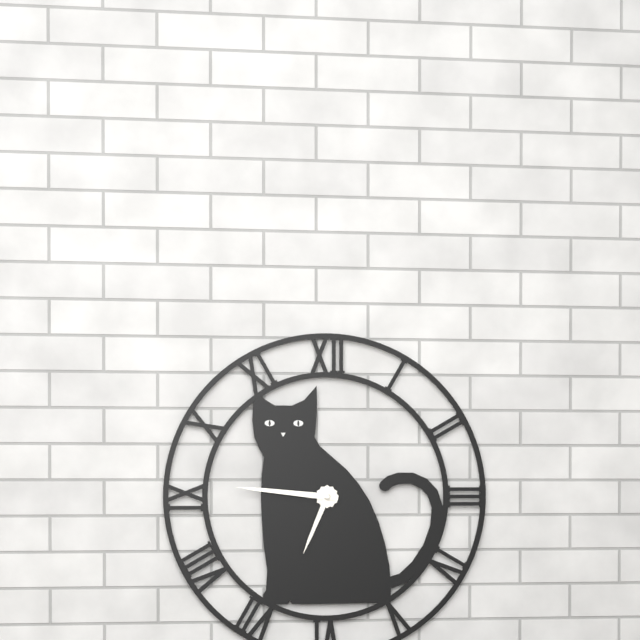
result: 6 h 46 min
